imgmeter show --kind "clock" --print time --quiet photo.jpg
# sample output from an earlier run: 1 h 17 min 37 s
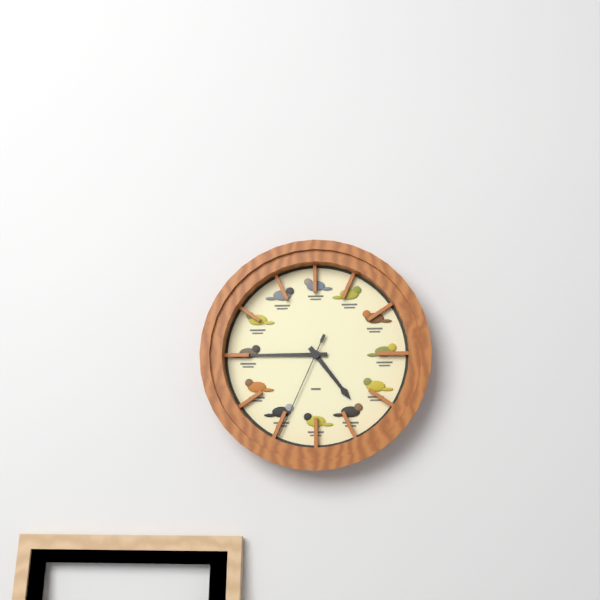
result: 4 h 45 min 34 s
